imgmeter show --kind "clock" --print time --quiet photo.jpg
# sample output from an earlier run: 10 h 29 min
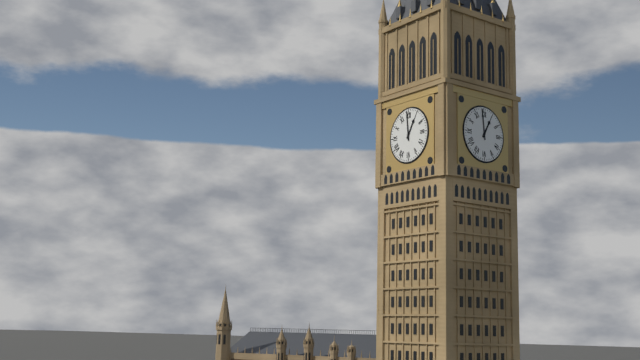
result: 12 h 59 min
